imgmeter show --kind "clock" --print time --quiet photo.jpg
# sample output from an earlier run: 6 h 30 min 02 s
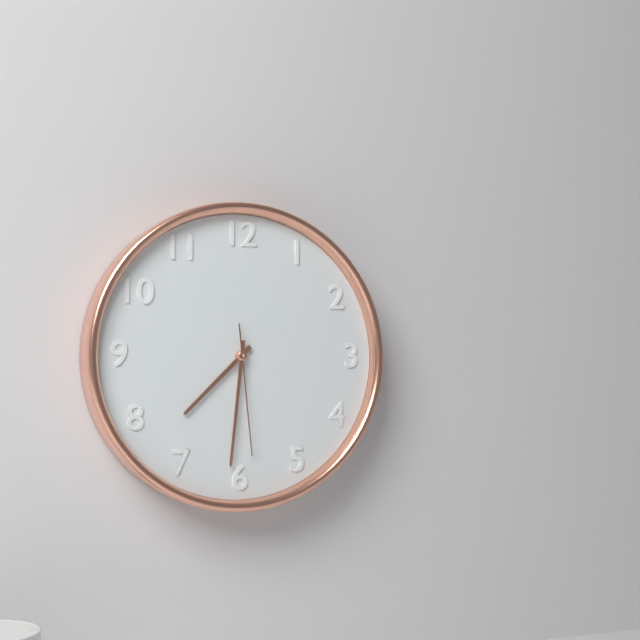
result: 7 h 31 min 29 s
